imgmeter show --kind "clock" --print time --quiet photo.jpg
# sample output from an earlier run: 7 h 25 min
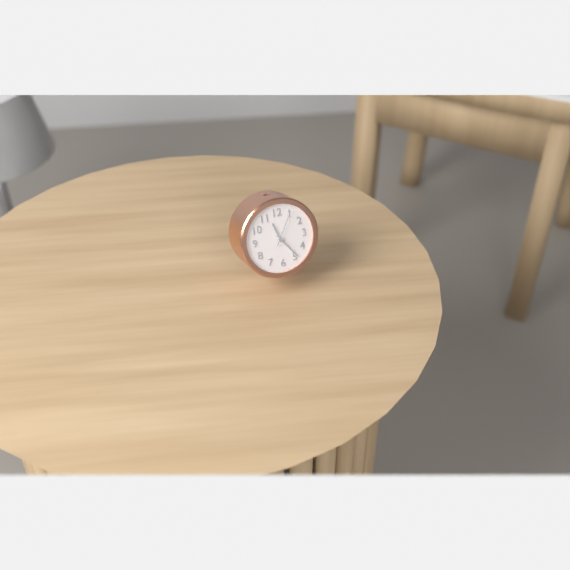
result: 11 h 24 min
